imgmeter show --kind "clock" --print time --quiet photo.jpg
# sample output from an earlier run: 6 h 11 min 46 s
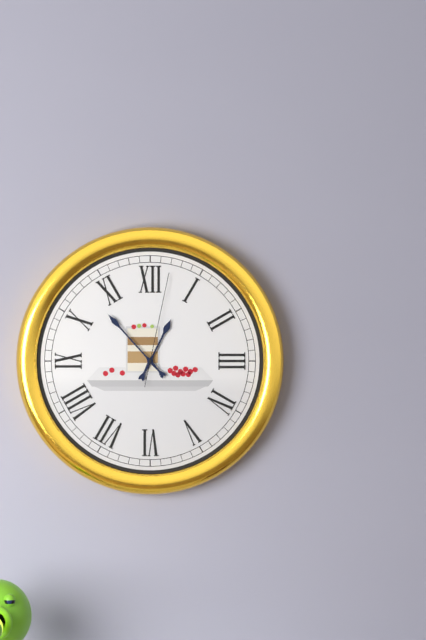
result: 12 h 53 min 02 s
